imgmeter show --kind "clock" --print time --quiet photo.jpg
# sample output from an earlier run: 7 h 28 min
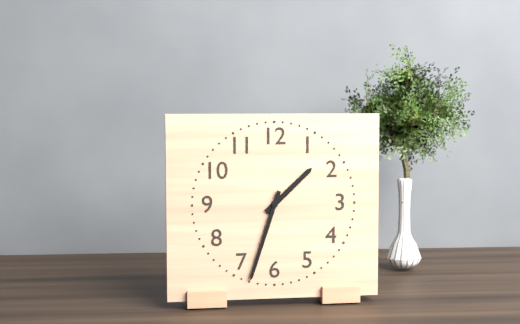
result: 1 h 33 min
